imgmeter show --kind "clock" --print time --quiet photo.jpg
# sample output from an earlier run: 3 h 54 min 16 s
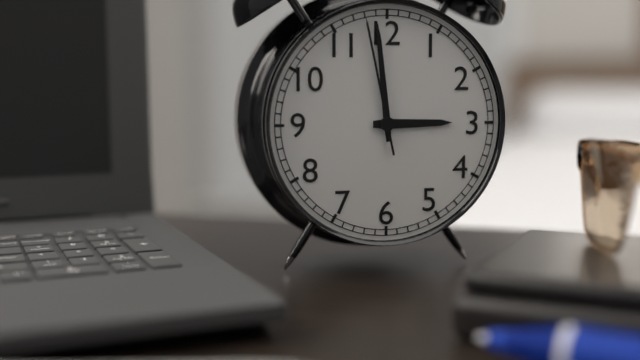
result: 2 h 59 min 58 s
